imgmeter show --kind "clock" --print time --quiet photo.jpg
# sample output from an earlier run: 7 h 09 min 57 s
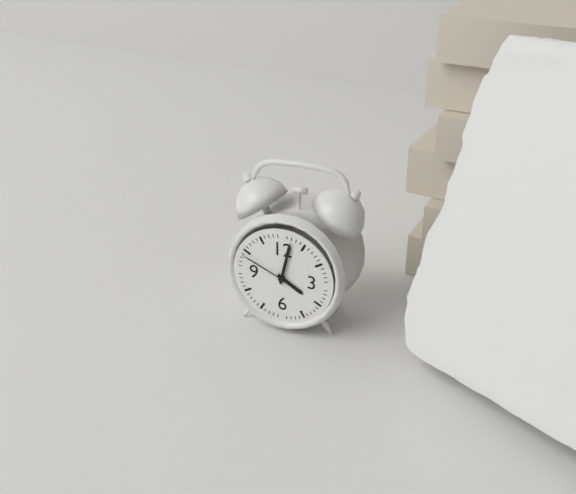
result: 4 h 02 min 49 s
